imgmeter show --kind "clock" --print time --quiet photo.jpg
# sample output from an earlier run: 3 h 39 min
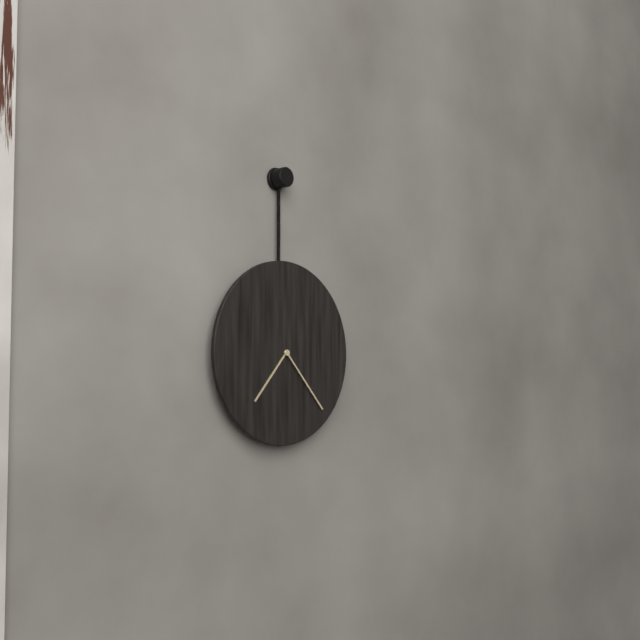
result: 7 h 23 min
